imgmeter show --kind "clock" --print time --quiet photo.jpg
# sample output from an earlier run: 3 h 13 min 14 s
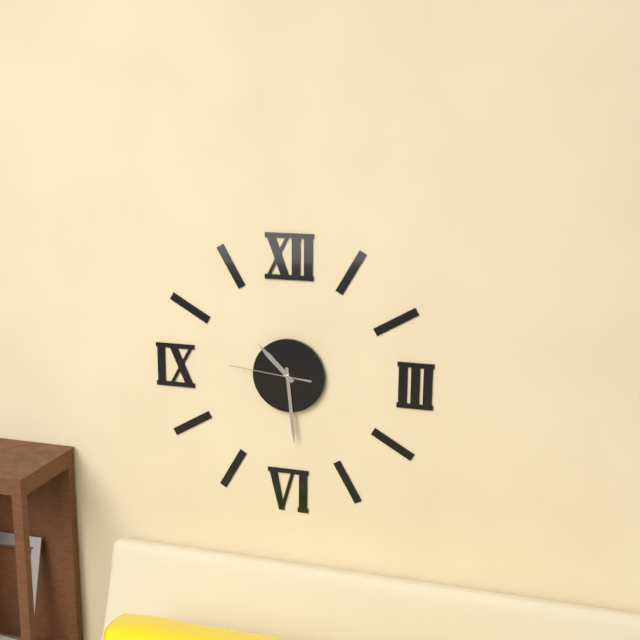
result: 10 h 29 min 46 s
